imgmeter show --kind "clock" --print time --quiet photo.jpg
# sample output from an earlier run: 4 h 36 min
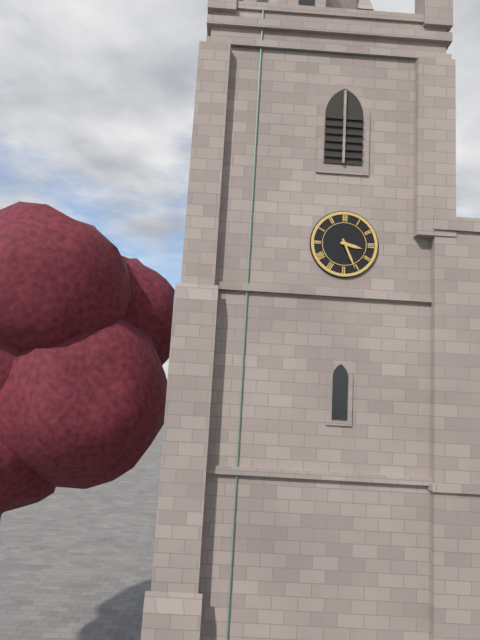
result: 3 h 26 min
